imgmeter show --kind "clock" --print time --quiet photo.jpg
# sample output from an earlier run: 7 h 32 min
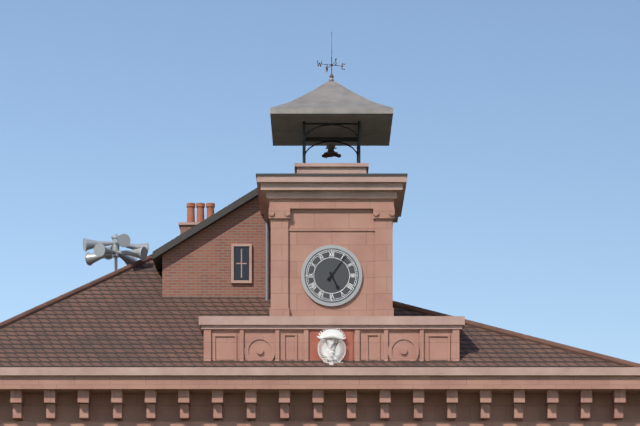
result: 5 h 06 min
